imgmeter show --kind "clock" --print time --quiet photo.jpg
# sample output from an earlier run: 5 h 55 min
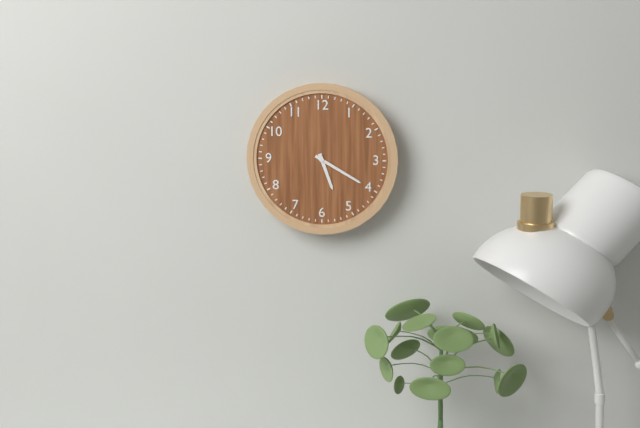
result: 5 h 20 min
